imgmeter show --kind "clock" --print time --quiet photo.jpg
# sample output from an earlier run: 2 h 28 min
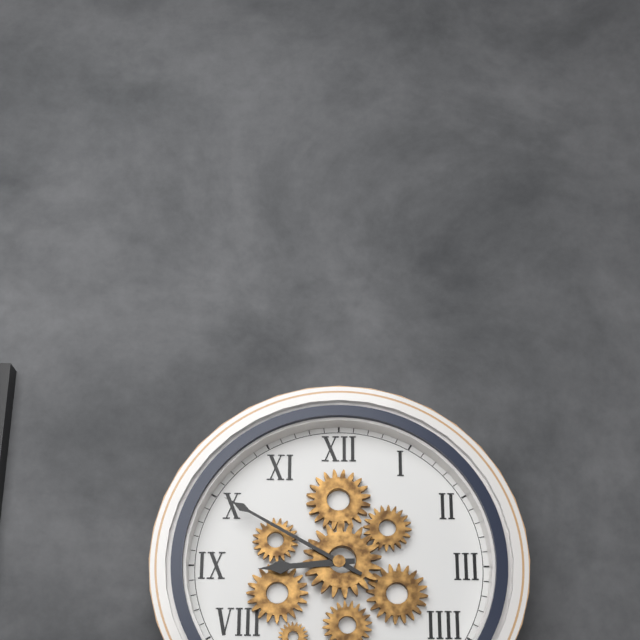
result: 8 h 50 min
